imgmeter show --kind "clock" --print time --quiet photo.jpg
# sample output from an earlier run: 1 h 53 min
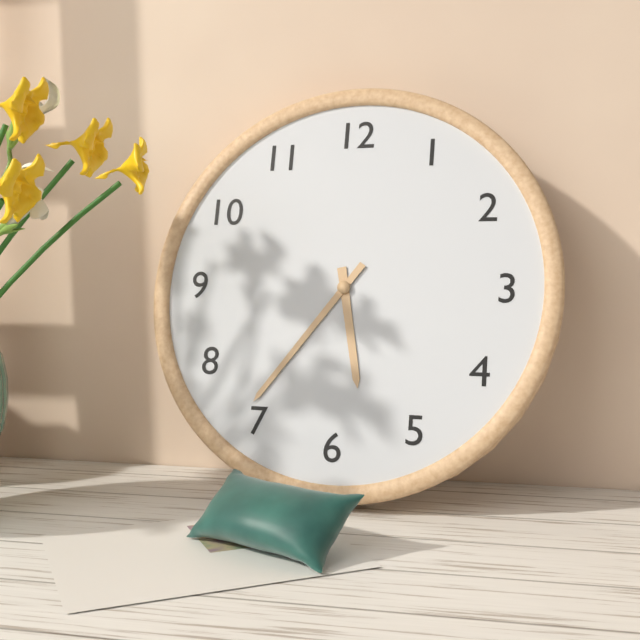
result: 5 h 36 min
